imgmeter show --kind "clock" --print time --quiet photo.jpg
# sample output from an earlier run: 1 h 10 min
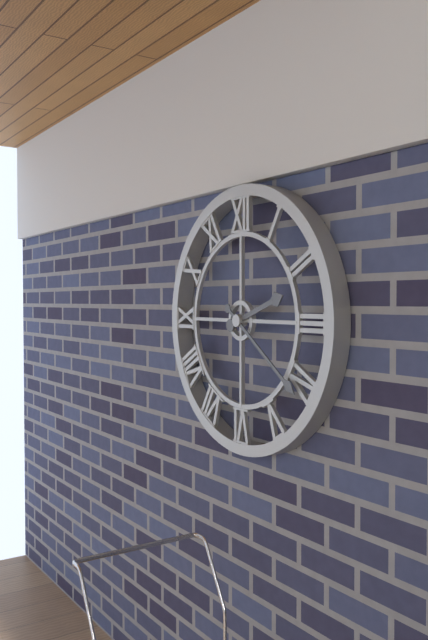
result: 2 h 21 min
